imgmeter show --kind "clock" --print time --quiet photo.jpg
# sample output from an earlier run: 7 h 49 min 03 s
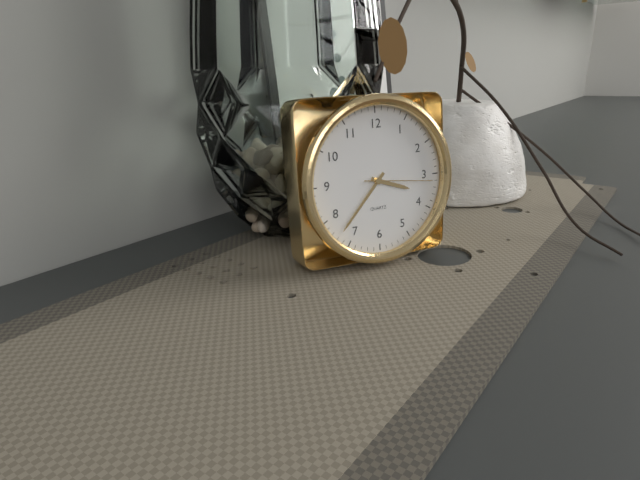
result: 3 h 37 min 16 s
